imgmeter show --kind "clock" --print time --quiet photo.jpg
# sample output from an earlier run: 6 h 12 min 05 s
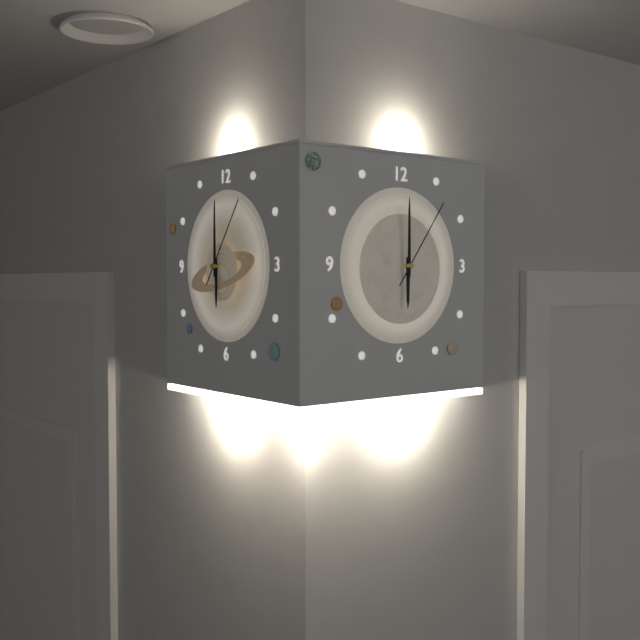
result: 6 h 00 min 06 s
